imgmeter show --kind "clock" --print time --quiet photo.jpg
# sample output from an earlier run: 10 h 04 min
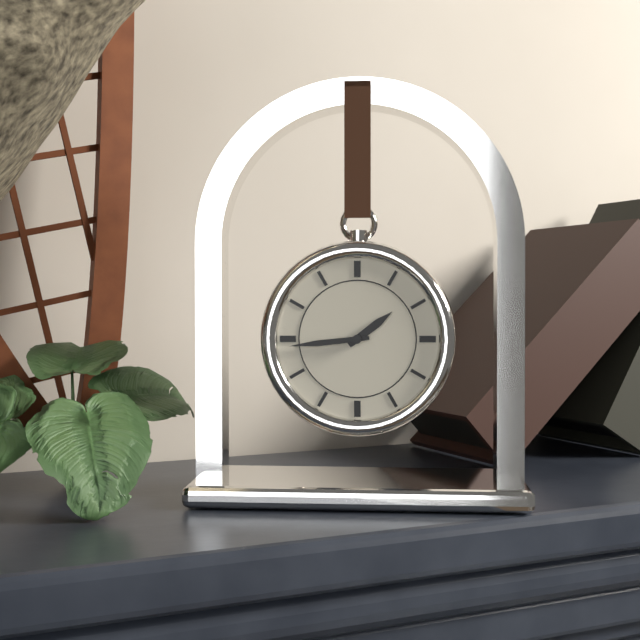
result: 1 h 44 min
